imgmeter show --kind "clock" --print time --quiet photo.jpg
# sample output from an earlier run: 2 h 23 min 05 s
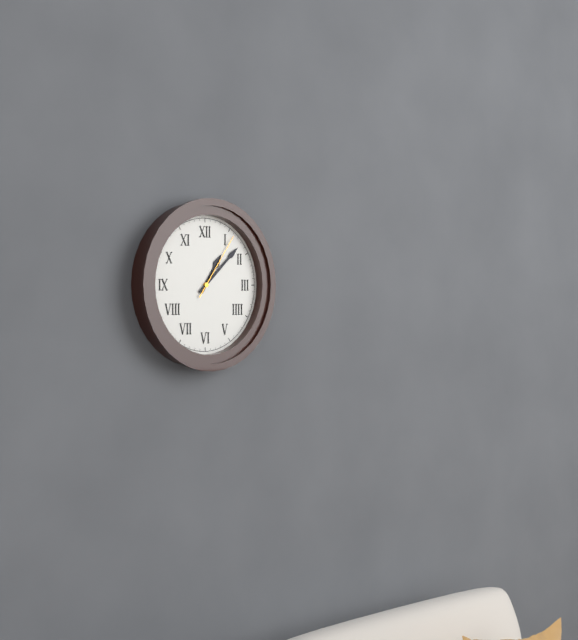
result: 1 h 08 min 06 s
